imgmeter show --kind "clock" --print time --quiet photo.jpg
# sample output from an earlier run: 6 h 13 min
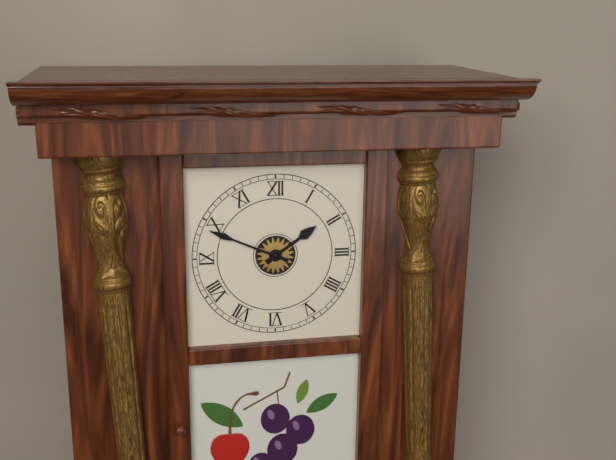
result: 1 h 49 min
